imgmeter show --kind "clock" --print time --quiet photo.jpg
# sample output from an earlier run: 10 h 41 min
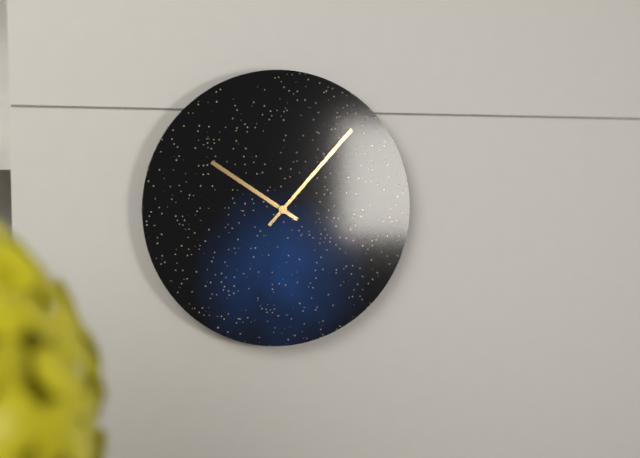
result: 10 h 07 min
